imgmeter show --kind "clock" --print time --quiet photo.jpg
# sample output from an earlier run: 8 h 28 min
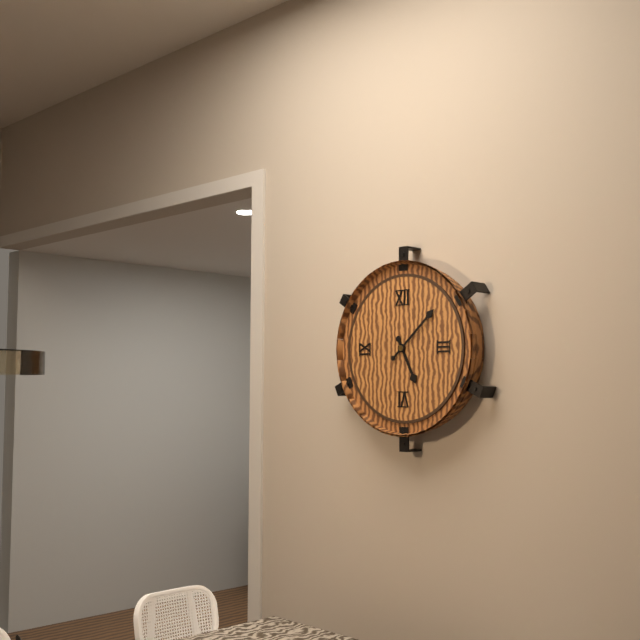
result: 5 h 08 min
